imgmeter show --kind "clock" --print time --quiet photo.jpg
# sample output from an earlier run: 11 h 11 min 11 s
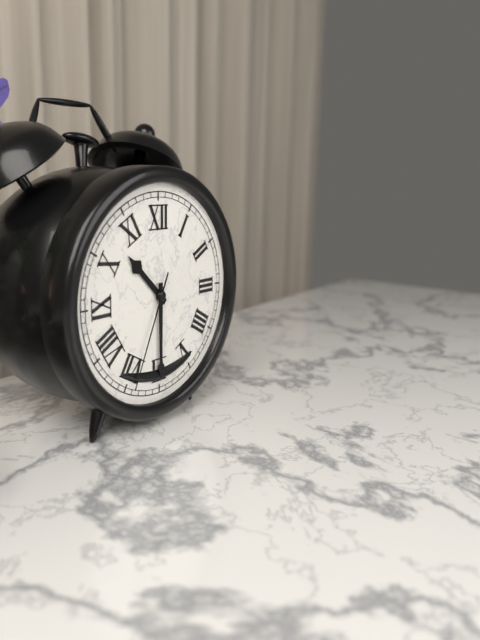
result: 10 h 30 min 34 s
